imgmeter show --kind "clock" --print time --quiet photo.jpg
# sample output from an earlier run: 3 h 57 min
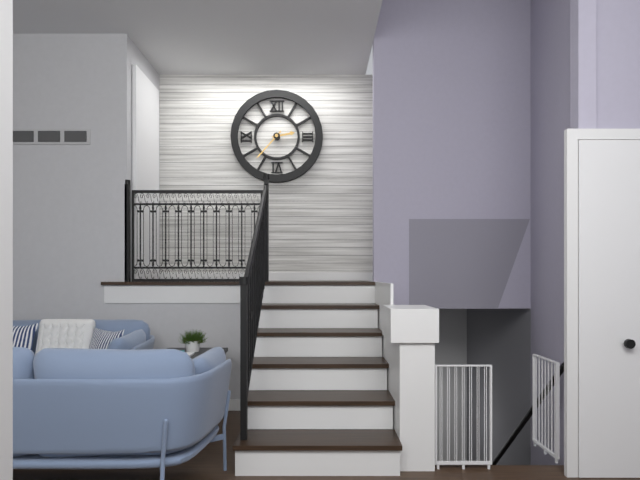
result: 2 h 37 min
